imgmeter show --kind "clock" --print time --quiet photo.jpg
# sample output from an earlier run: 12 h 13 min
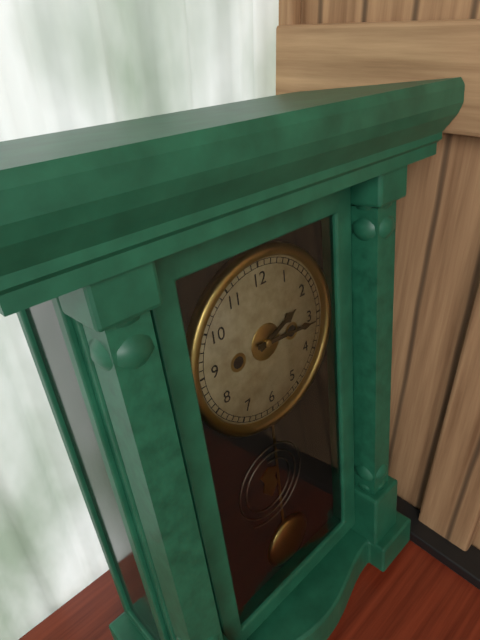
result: 2 h 16 min
